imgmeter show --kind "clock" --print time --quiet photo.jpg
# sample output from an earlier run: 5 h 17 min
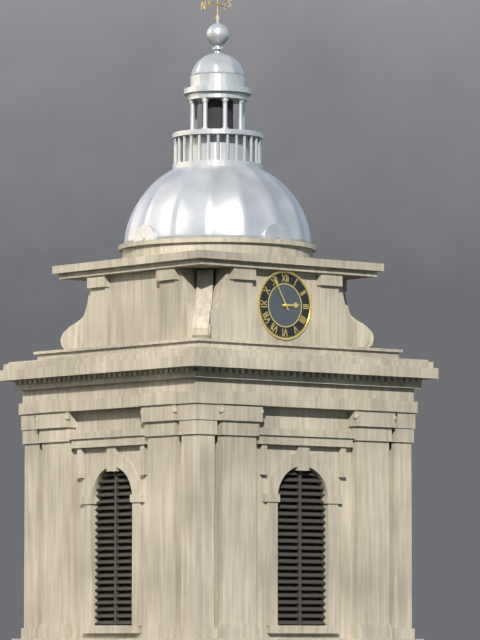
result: 2 h 55 min
